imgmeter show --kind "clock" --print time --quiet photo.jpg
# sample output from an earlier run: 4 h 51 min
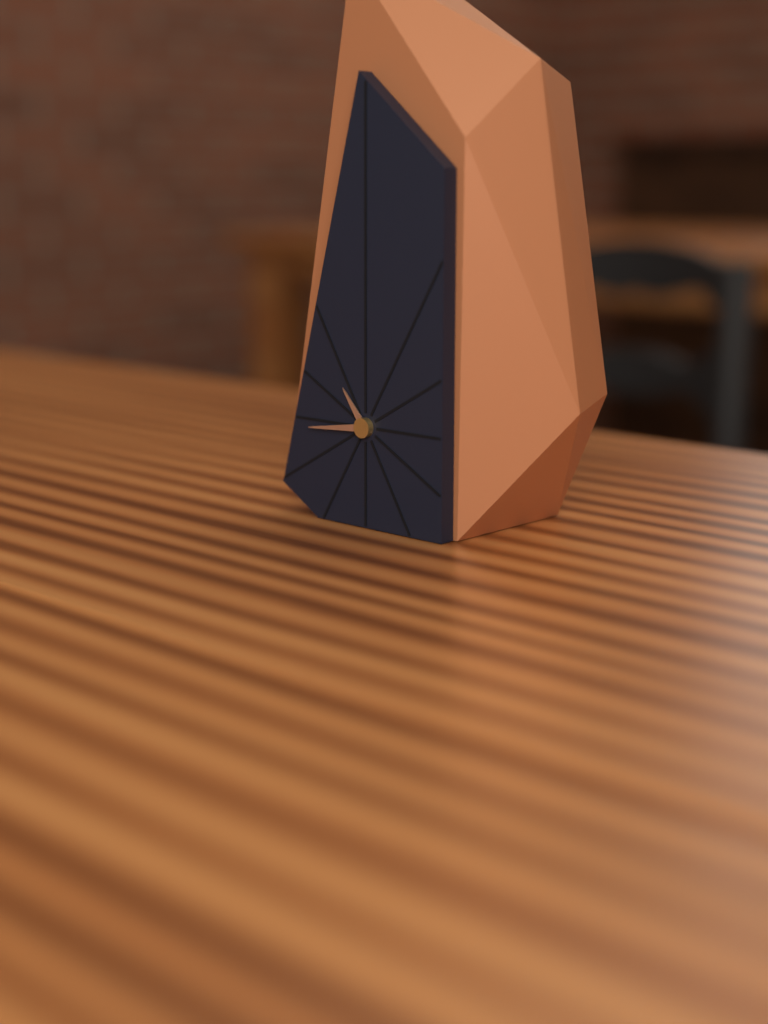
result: 10 h 44 min
